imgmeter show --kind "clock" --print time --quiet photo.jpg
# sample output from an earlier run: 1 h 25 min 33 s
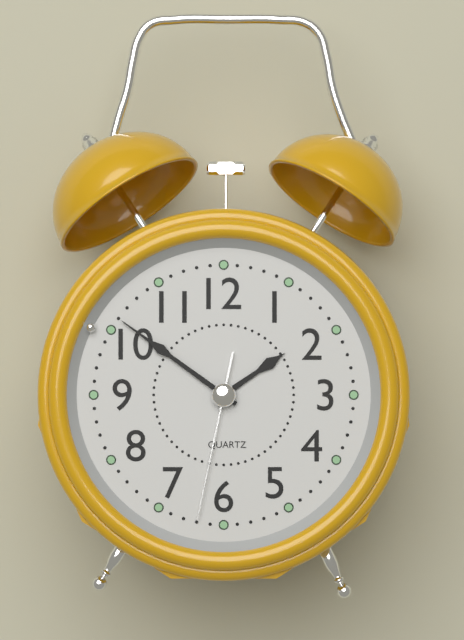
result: 1 h 51 min 32 s
